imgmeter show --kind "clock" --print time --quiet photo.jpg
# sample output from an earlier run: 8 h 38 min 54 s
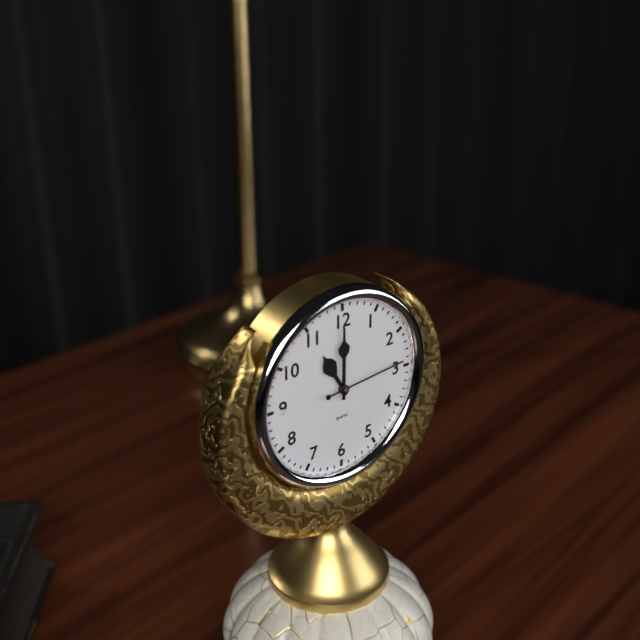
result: 11 h 00 min 14 s
